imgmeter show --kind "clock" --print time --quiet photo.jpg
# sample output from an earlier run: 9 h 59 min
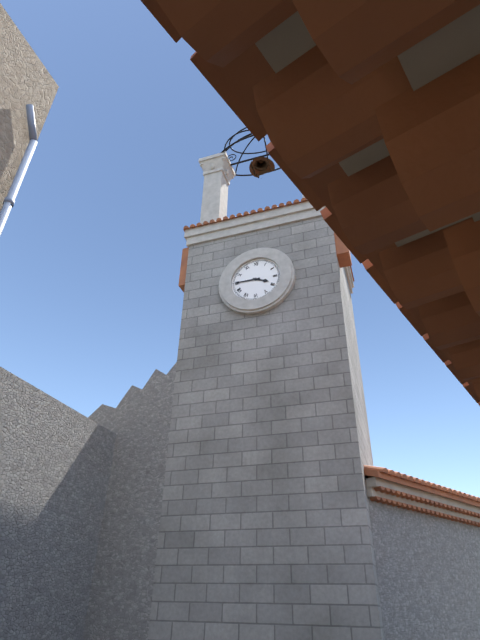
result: 3 h 45 min
